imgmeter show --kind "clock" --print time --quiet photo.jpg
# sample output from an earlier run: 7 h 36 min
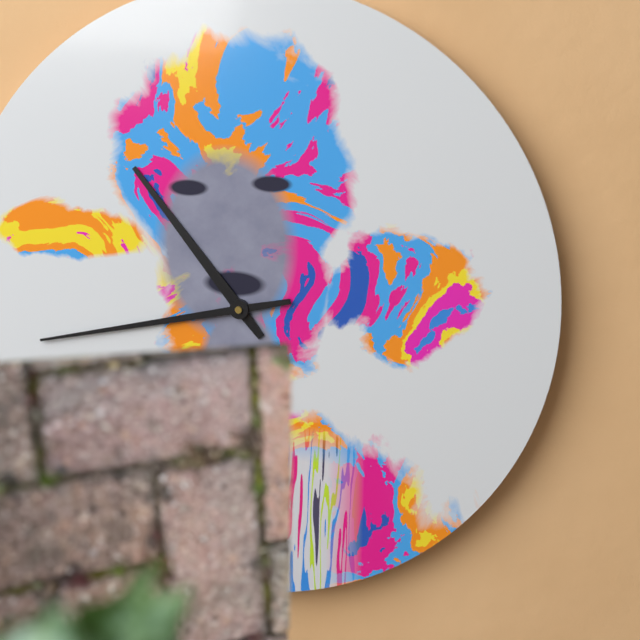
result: 10 h 43 min
